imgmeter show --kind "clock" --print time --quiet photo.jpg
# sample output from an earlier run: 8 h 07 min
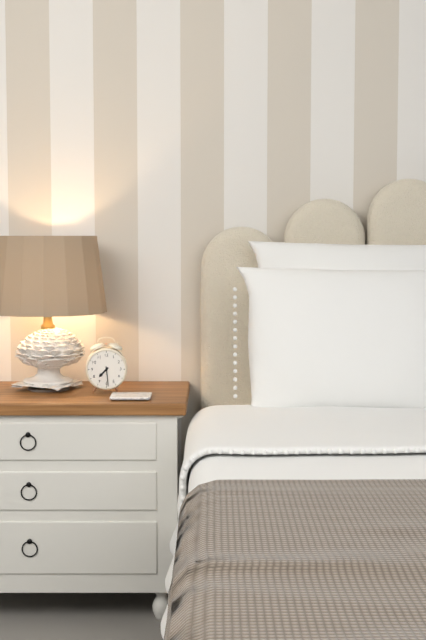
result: 7 h 29 min
